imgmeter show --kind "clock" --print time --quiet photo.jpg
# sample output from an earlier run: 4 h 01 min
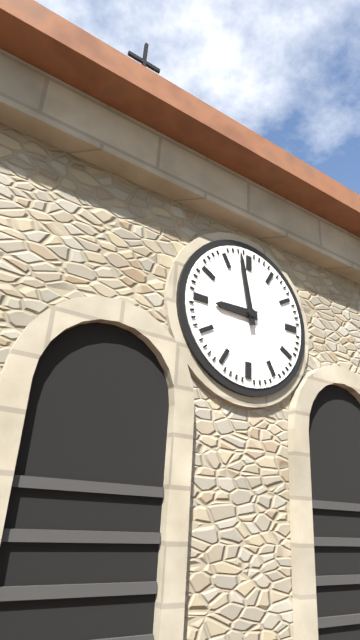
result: 8 h 58 min
